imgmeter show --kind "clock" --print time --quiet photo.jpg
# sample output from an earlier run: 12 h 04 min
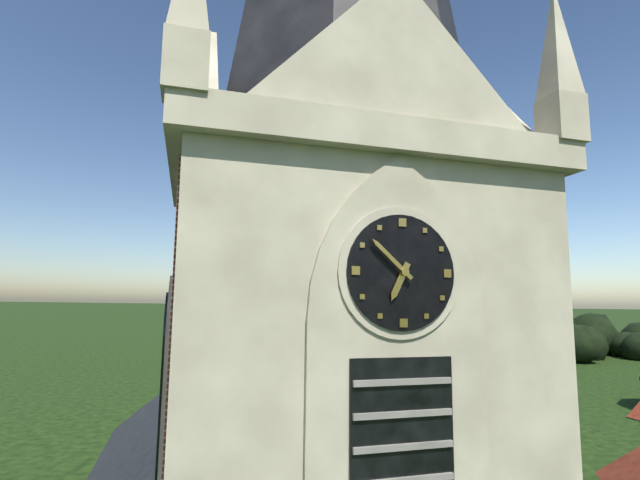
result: 6 h 52 min
